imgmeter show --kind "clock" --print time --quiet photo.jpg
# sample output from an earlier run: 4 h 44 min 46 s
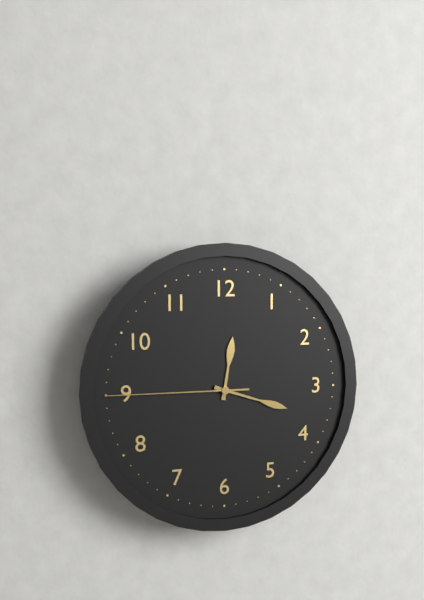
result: 12 h 18 min 45 s
